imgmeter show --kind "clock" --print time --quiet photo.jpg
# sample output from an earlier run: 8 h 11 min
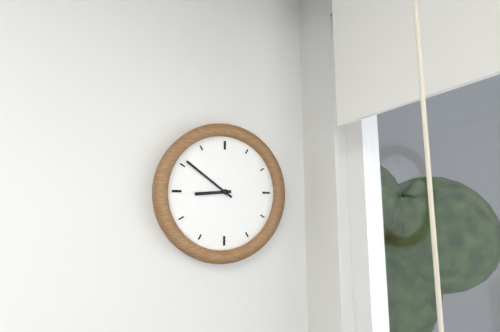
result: 8 h 51 min
